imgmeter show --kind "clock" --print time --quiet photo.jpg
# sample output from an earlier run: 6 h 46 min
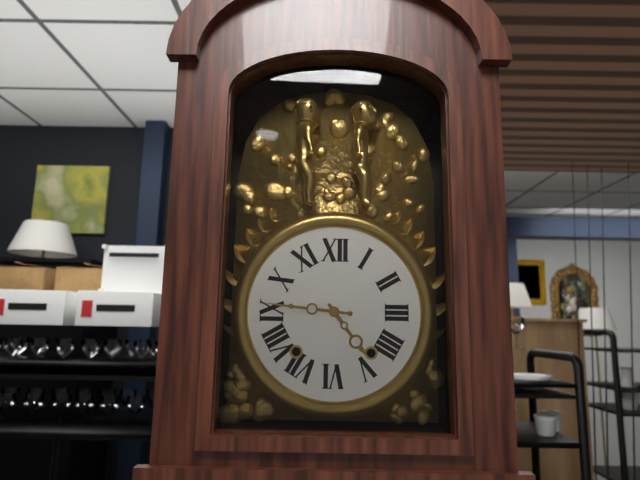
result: 4 h 46 min
